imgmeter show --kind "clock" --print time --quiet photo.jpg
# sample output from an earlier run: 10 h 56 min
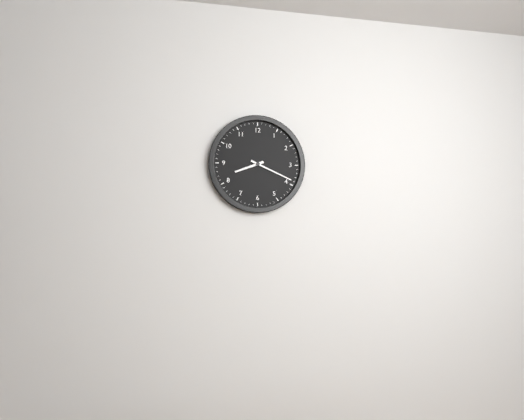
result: 8 h 19 min
